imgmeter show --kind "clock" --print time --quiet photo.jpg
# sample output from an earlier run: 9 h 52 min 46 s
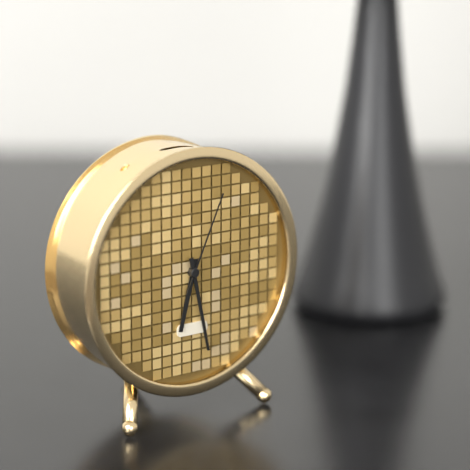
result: 6 h 28 min 04 s
